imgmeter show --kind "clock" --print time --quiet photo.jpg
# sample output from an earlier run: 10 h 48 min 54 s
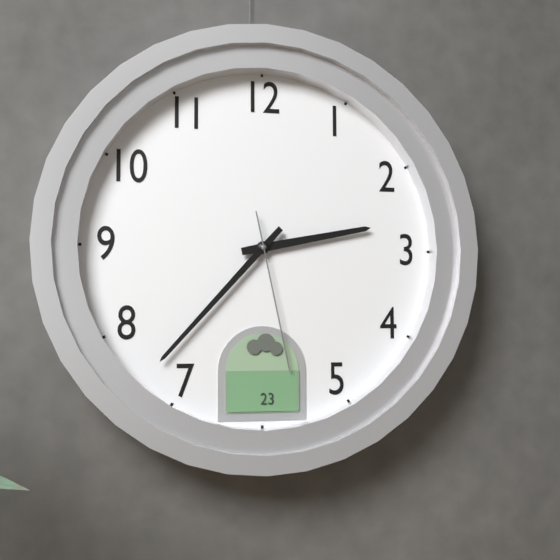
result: 2 h 37 min 28 s
